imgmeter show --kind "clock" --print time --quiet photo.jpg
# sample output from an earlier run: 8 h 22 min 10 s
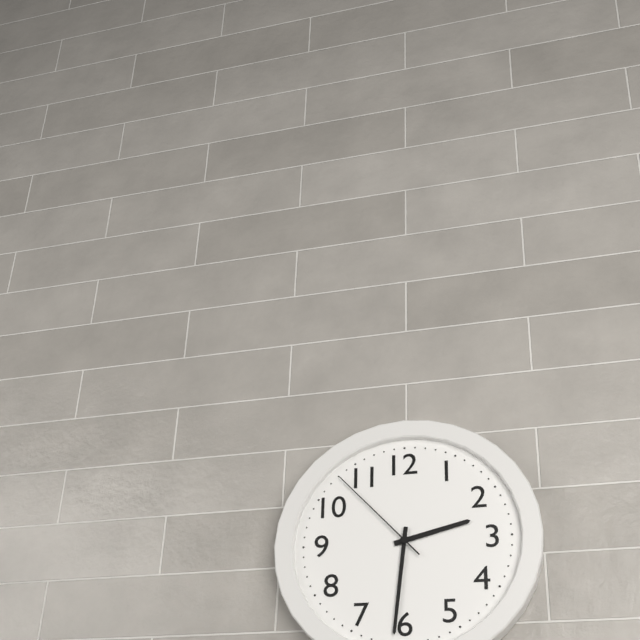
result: 2 h 31 min 53 s
